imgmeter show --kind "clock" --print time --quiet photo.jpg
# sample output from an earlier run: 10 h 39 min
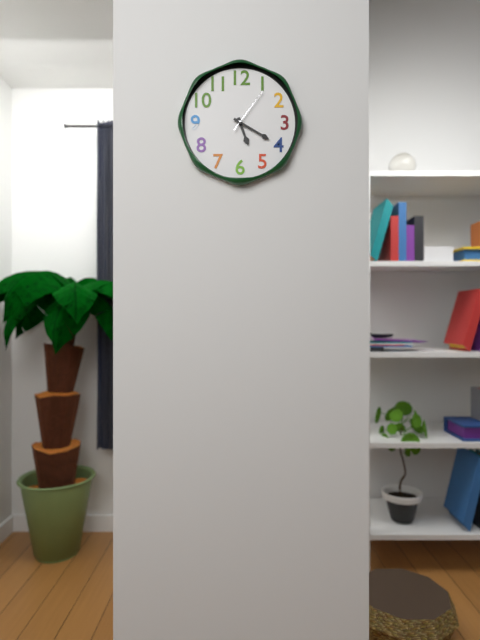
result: 5 h 20 min
